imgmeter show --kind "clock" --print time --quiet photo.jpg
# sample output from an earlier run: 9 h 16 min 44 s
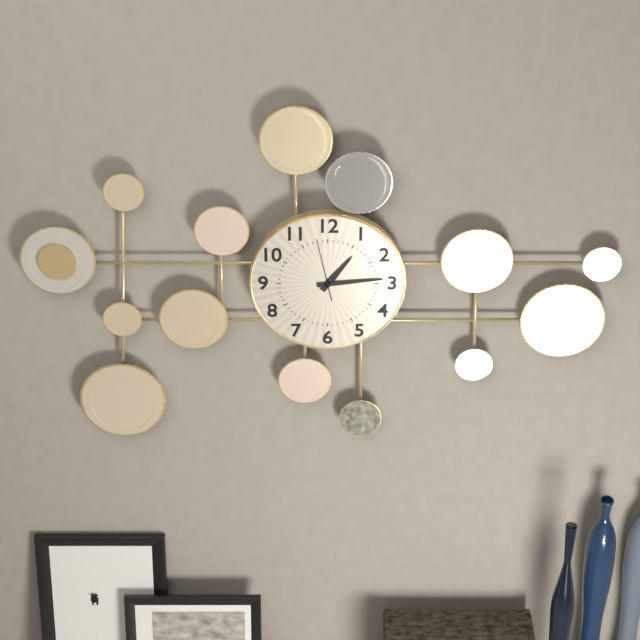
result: 1 h 14 min 58 s
